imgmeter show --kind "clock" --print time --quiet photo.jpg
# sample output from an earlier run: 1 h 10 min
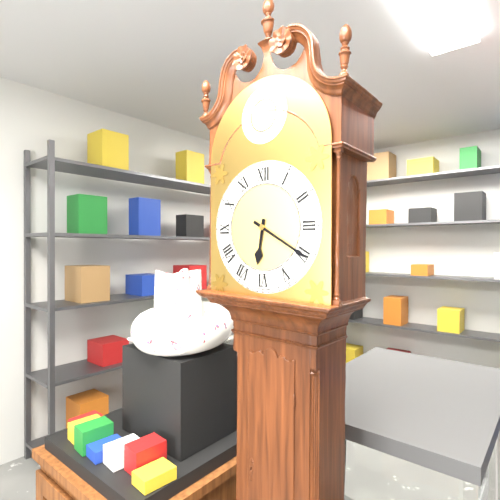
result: 6 h 20 min
